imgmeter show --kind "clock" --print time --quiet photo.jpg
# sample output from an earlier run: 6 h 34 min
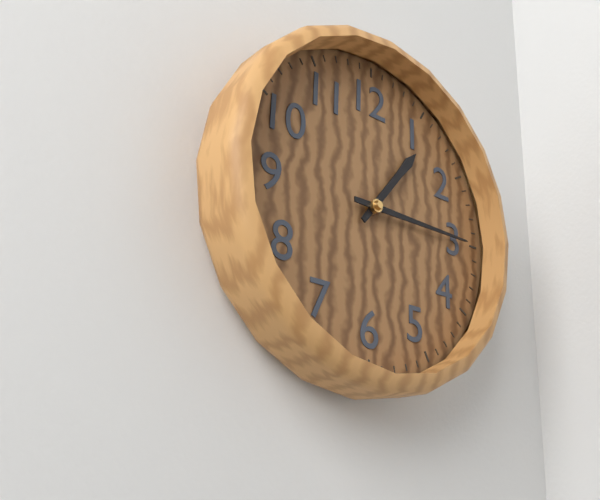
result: 1 h 15 min
